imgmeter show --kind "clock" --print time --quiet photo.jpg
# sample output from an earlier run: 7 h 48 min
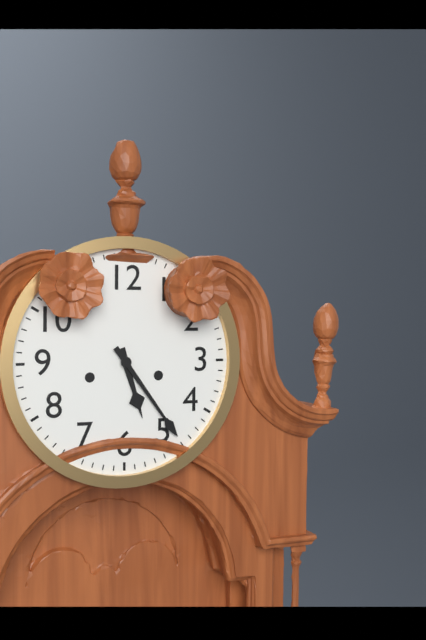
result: 5 h 24 min
